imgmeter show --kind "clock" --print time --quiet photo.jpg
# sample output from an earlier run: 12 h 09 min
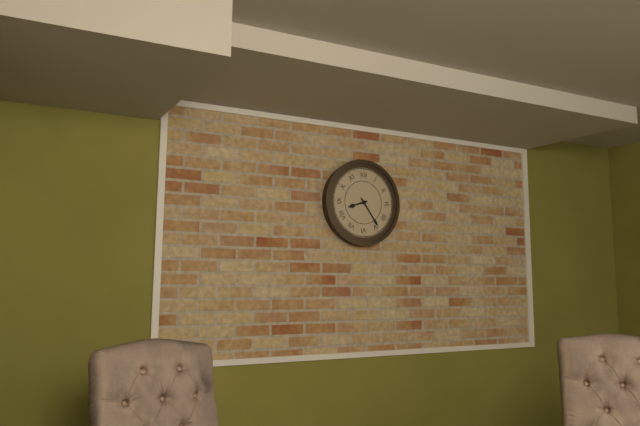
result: 8 h 24 min
